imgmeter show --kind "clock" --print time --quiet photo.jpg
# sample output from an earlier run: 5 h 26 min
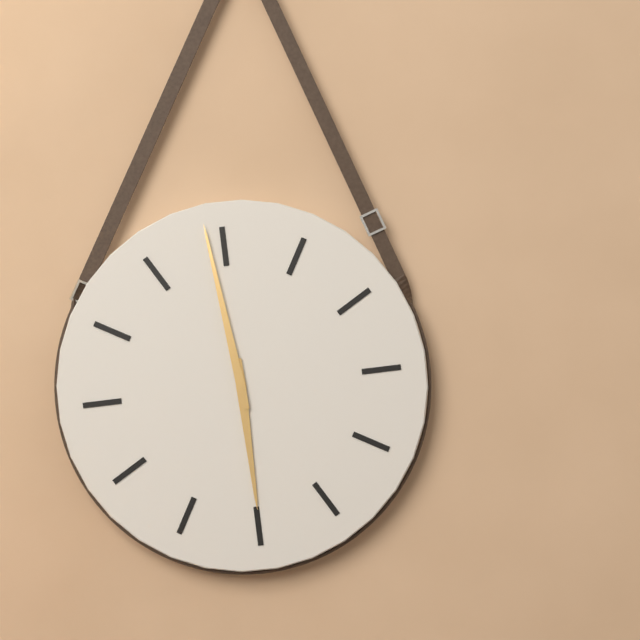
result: 5 h 59 min
